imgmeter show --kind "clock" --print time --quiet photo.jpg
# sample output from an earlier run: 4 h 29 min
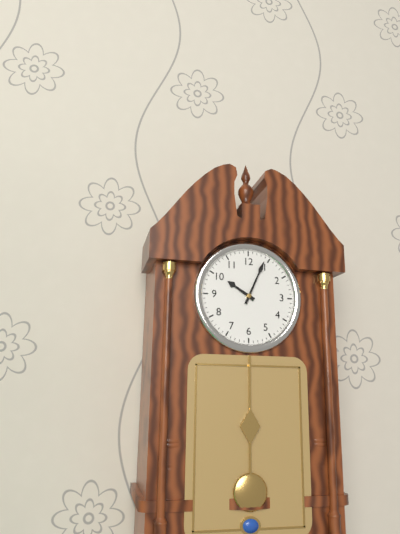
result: 10 h 04 min
